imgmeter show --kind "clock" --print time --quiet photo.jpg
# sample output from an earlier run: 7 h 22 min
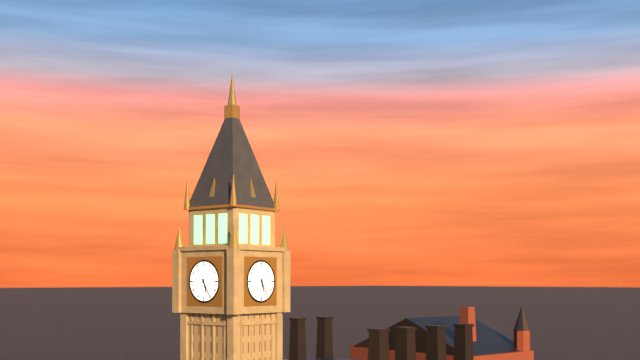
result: 5 h 25 min
